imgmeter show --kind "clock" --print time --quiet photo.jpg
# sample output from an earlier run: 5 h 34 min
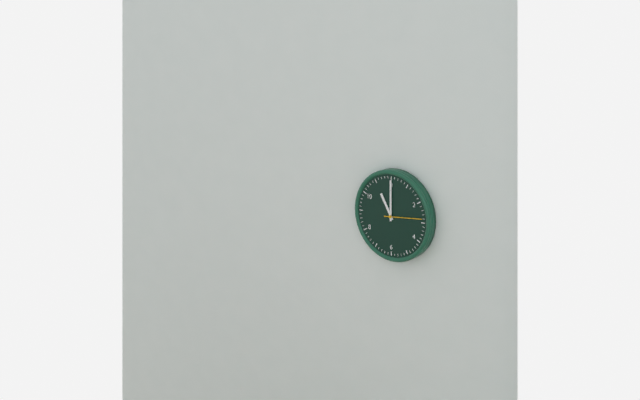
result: 11 h 00 min
